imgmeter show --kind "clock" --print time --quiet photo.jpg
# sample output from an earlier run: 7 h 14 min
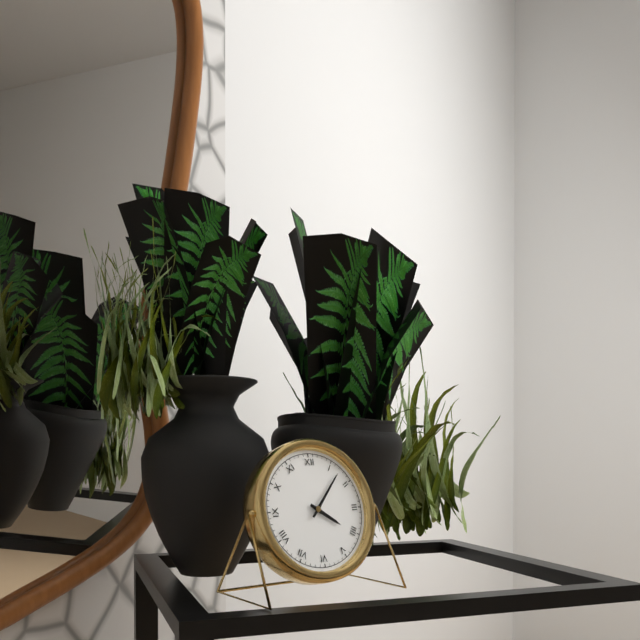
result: 4 h 07 min
